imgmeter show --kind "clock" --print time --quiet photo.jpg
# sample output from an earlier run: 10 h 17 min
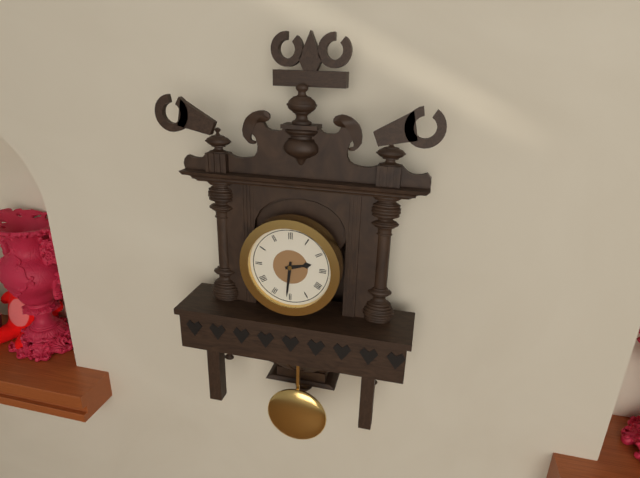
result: 2 h 31 min
